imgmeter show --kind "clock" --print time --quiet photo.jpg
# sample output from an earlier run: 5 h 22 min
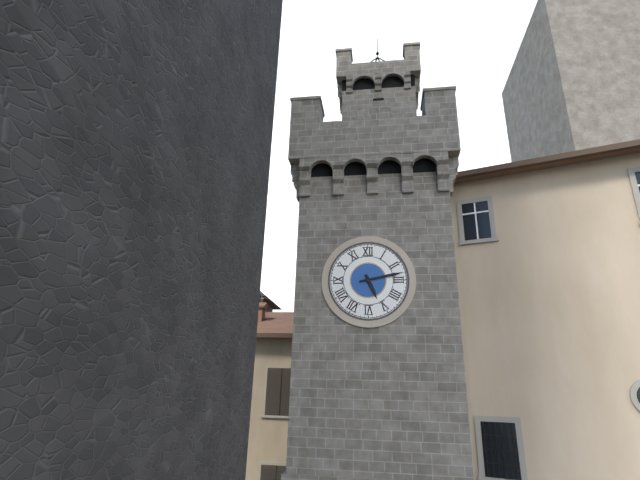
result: 5 h 13 min
